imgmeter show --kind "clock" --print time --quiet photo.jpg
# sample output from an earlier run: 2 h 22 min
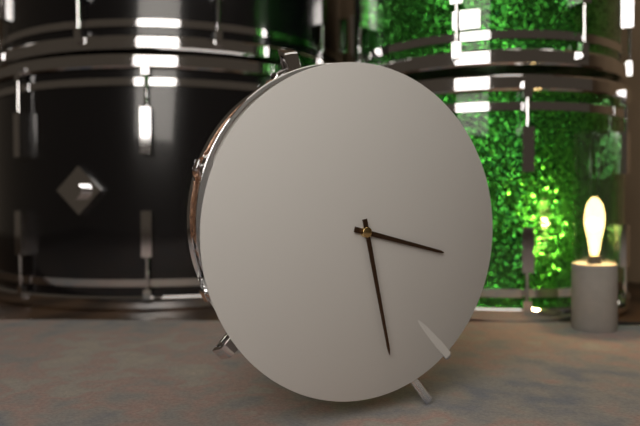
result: 3 h 28 min
